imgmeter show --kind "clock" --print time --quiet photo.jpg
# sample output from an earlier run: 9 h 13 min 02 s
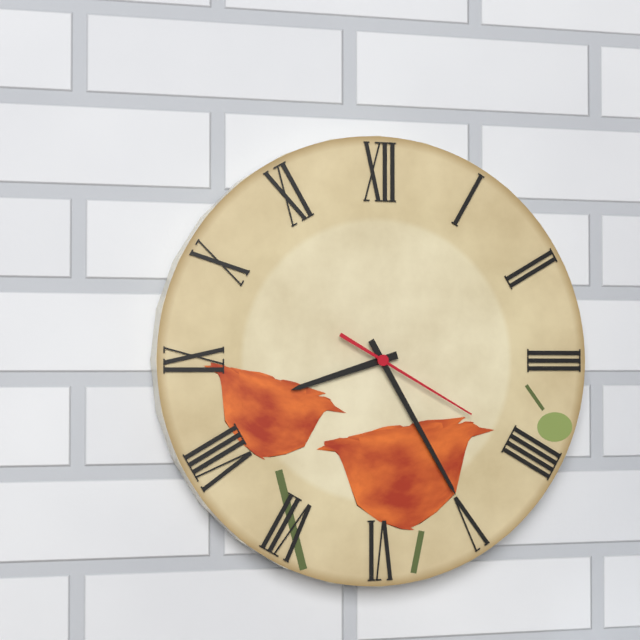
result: 8 h 25 min 20 s
